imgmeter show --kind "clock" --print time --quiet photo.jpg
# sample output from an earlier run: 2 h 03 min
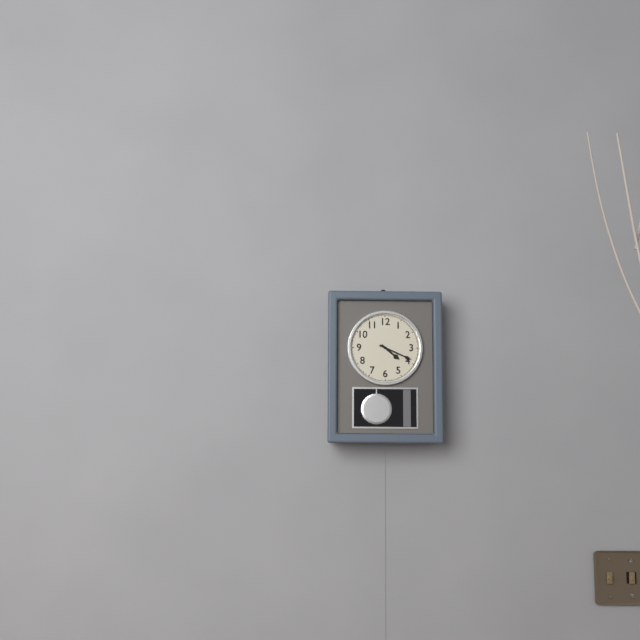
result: 4 h 19 min
